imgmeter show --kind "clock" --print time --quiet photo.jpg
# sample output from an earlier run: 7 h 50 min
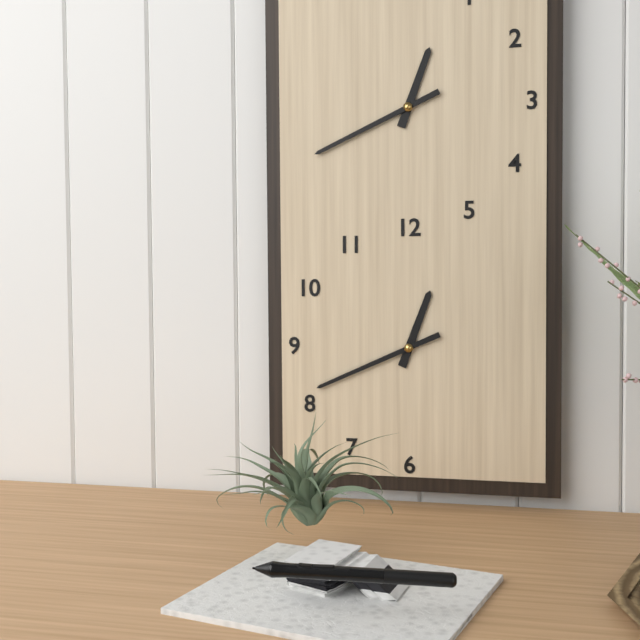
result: 12 h 41 min
